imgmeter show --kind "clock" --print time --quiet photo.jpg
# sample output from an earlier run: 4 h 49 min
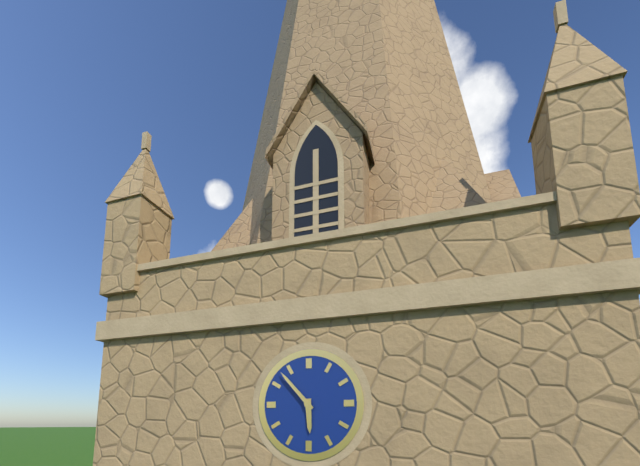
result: 5 h 53 min
